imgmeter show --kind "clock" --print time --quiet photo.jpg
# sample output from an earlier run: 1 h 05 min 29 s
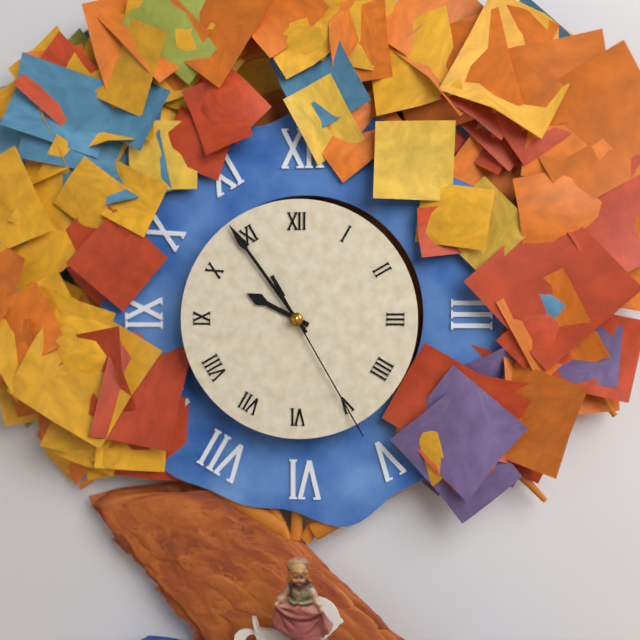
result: 9 h 54 min 25 s
